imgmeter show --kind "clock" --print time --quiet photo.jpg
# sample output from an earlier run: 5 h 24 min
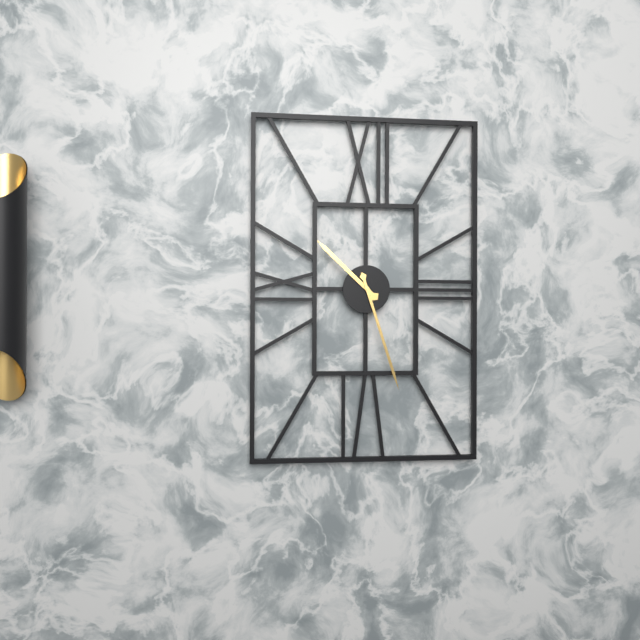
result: 10 h 27 min
